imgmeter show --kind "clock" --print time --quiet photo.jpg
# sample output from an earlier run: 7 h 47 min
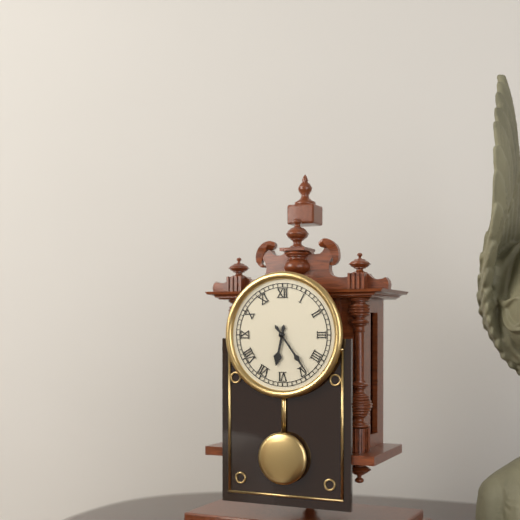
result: 6 h 24 min
